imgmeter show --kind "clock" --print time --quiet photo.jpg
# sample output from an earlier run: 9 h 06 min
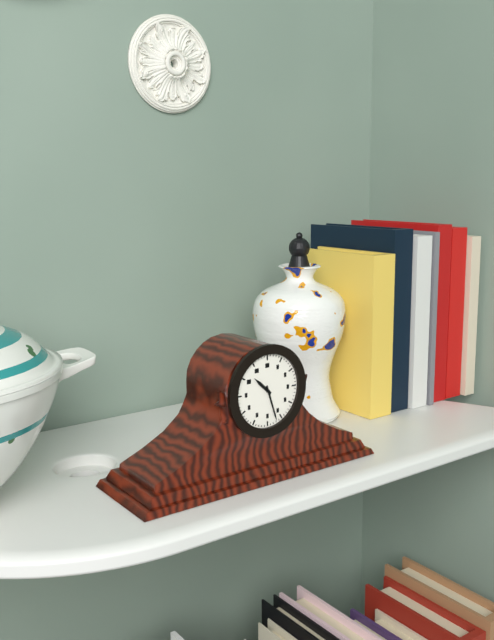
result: 10 h 27 min
